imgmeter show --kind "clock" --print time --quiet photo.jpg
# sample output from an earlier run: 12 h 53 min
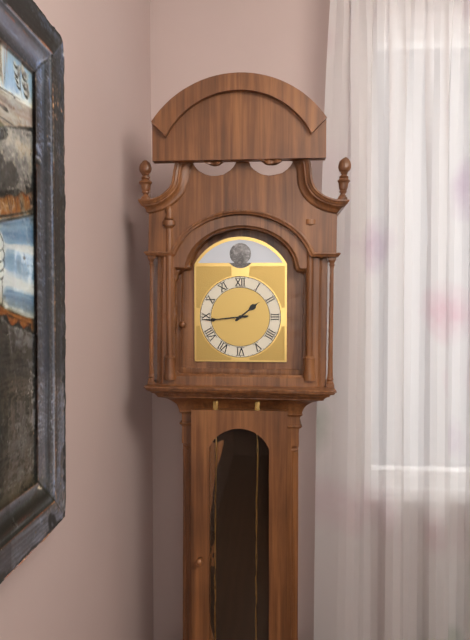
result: 1 h 44 min
